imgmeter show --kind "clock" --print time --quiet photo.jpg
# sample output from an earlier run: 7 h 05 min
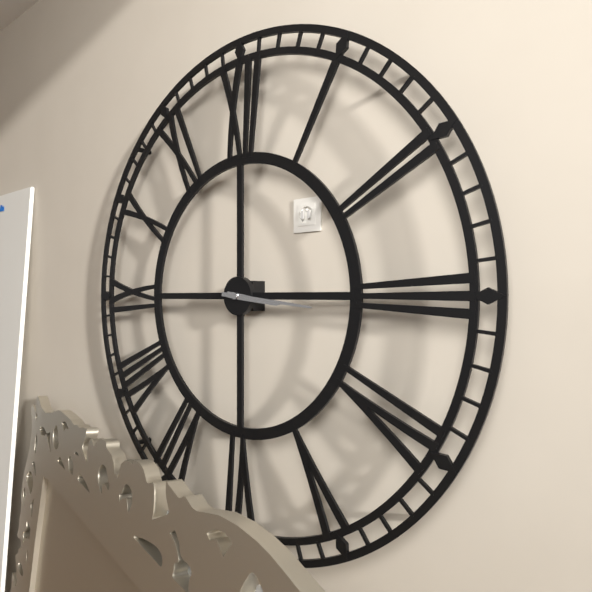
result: 3 h 16 min
